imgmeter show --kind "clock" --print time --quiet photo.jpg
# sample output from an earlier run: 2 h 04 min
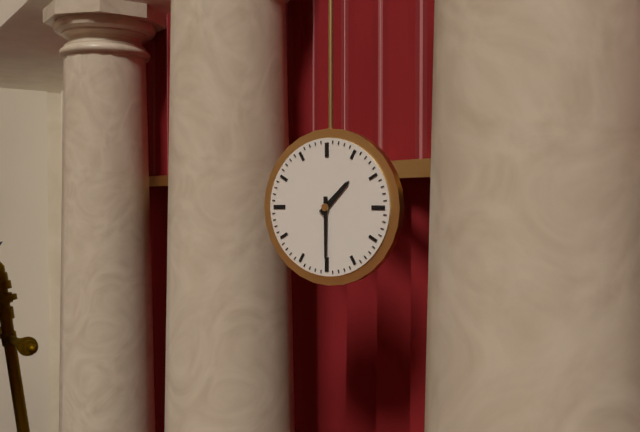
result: 1 h 30 min
